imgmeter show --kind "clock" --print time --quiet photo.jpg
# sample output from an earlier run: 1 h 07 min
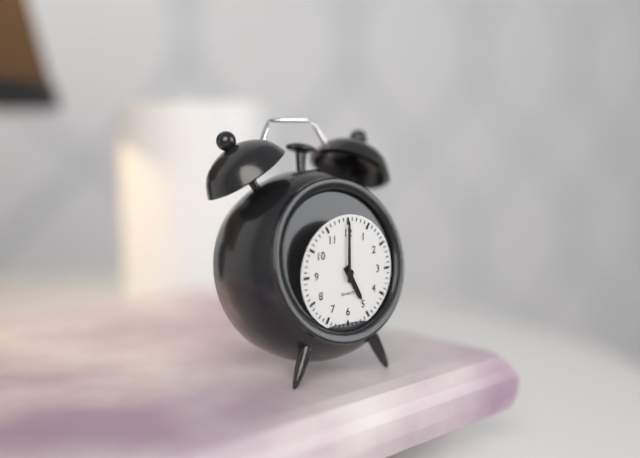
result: 5 h 00 min
